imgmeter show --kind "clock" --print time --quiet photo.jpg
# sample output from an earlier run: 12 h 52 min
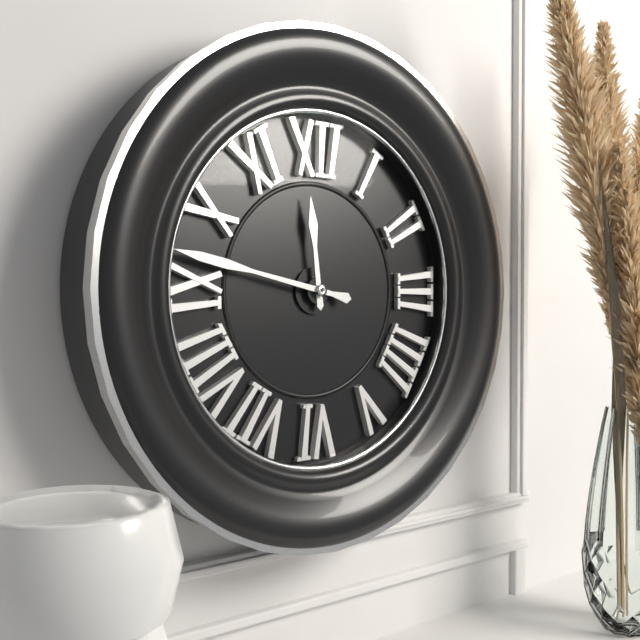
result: 11 h 47 min
